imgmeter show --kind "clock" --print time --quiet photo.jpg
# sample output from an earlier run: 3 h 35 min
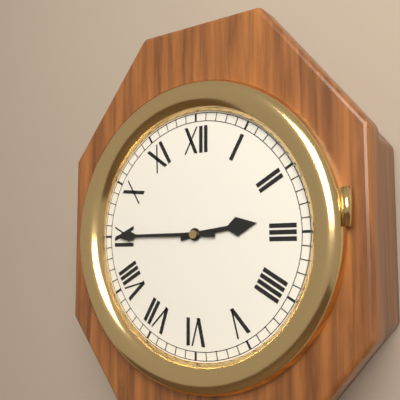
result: 2 h 45 min
